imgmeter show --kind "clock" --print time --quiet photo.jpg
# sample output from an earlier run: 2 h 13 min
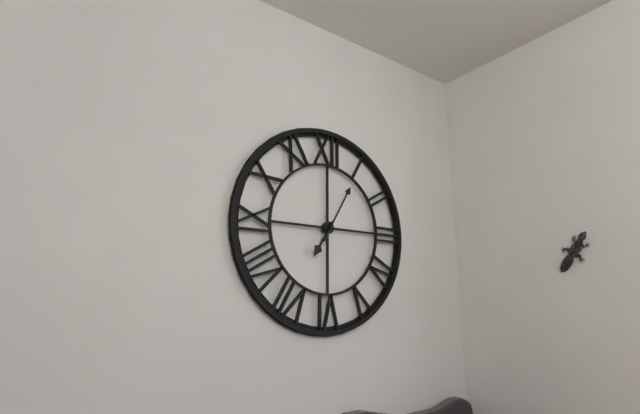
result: 7 h 05 min
